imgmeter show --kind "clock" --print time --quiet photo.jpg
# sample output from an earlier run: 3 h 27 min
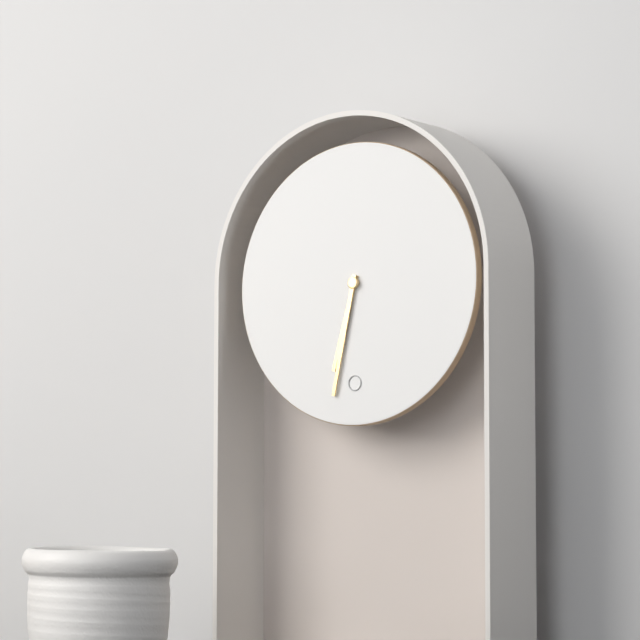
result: 6 h 32 min
